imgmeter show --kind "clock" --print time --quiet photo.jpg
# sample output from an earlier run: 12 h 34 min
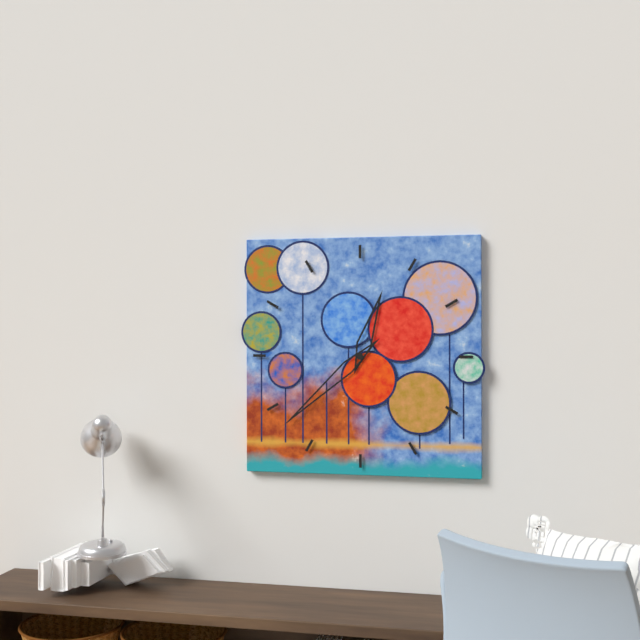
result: 12 h 38 min
